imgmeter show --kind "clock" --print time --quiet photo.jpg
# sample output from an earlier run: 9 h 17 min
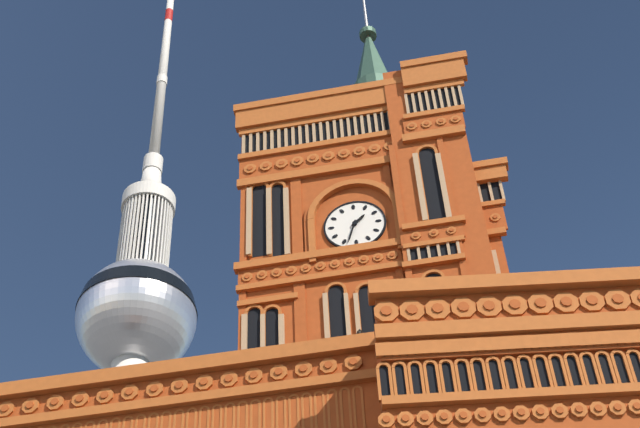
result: 1 h 33 min
